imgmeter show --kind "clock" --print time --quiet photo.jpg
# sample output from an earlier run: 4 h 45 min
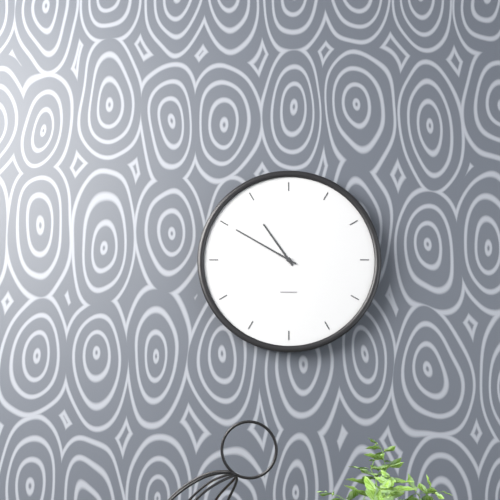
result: 10 h 50 min
